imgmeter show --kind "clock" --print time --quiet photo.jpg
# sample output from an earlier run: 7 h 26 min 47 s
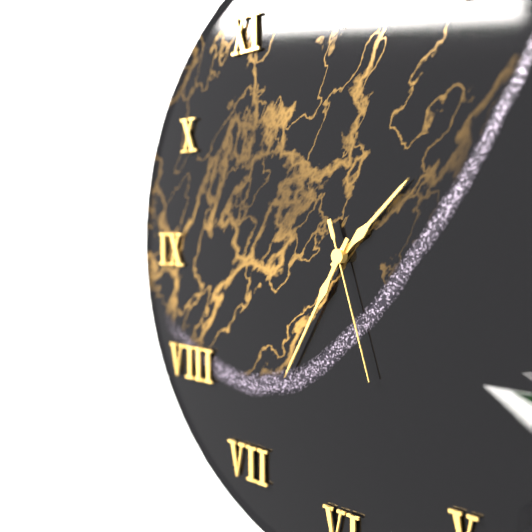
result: 1 h 35 min 27 s
